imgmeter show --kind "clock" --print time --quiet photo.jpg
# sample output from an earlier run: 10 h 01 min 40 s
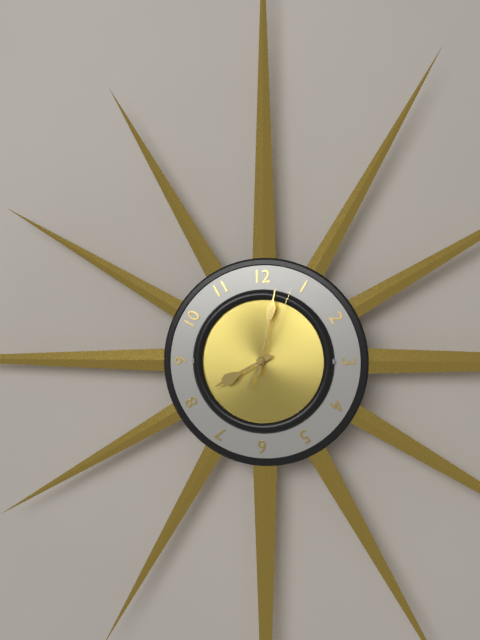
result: 8 h 02 min 04 s
